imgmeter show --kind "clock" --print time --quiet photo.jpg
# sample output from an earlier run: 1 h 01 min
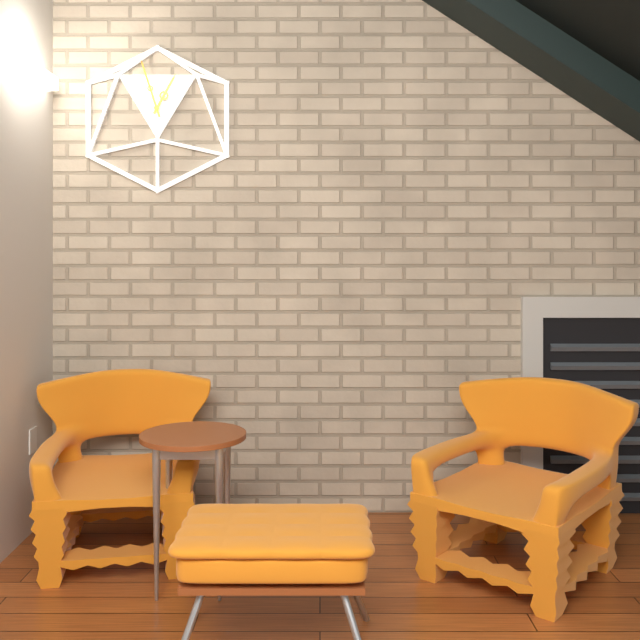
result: 12 h 57 min
